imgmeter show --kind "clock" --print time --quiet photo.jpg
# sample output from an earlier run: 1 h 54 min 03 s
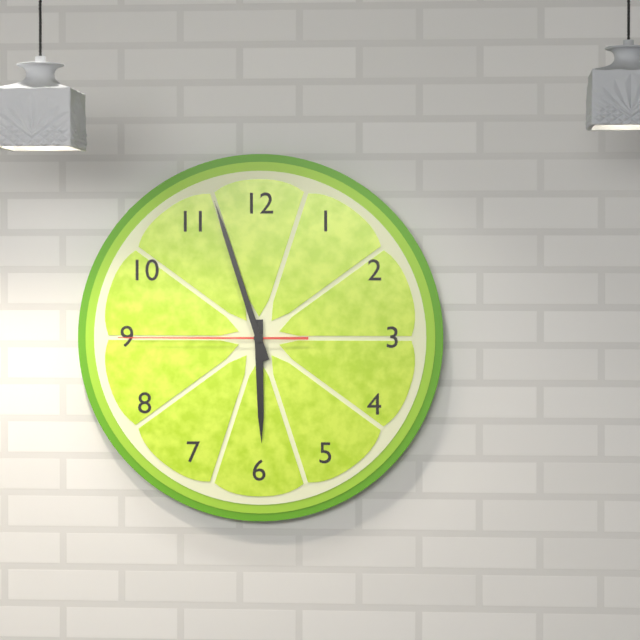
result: 5 h 57 min 45 s
